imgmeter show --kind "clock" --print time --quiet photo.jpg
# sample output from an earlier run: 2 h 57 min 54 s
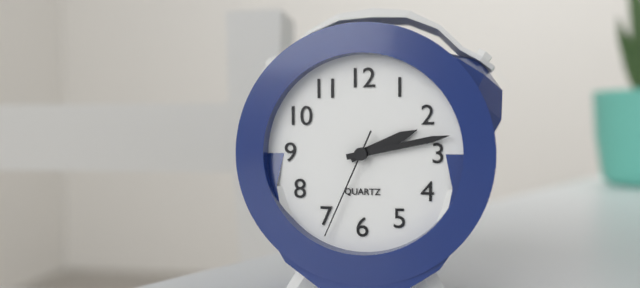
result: 2 h 13 min 34 s
